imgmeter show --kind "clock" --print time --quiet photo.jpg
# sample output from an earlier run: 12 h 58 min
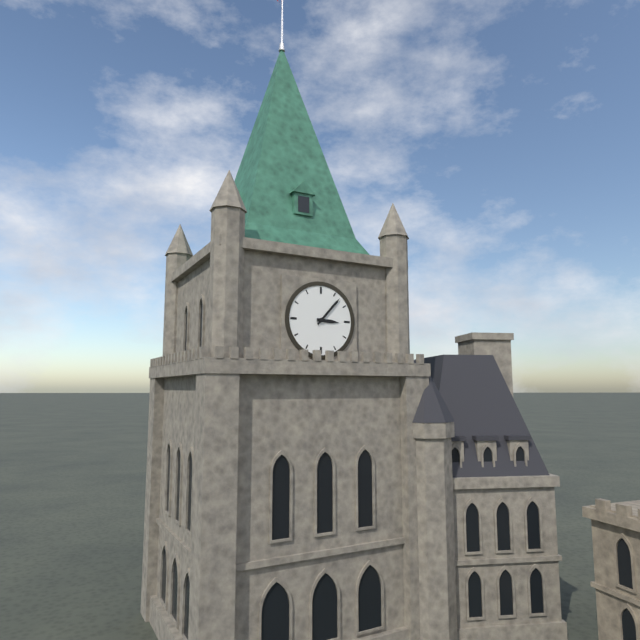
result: 3 h 07 min
